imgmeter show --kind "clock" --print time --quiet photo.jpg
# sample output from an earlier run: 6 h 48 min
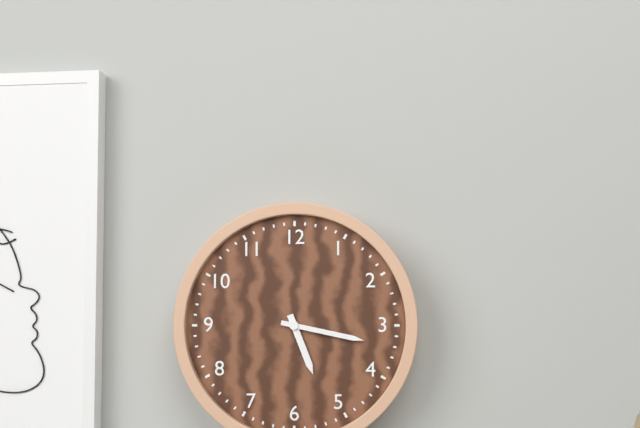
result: 5 h 17 min
